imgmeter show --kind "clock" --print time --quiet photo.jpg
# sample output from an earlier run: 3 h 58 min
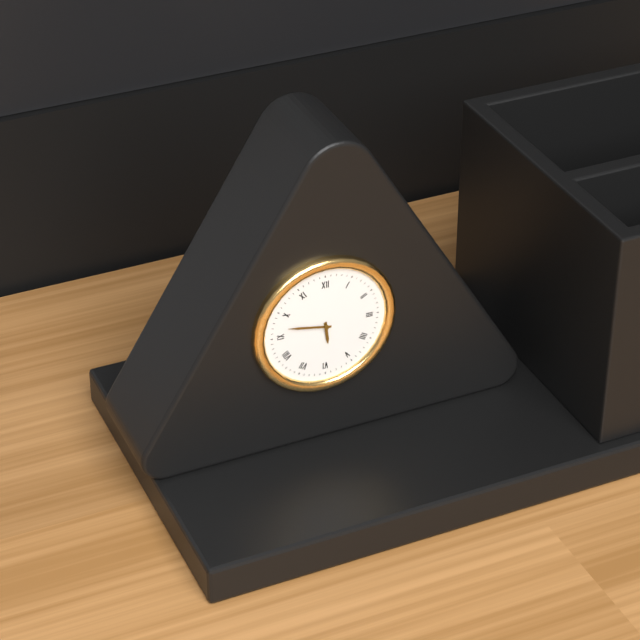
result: 5 h 47 min
